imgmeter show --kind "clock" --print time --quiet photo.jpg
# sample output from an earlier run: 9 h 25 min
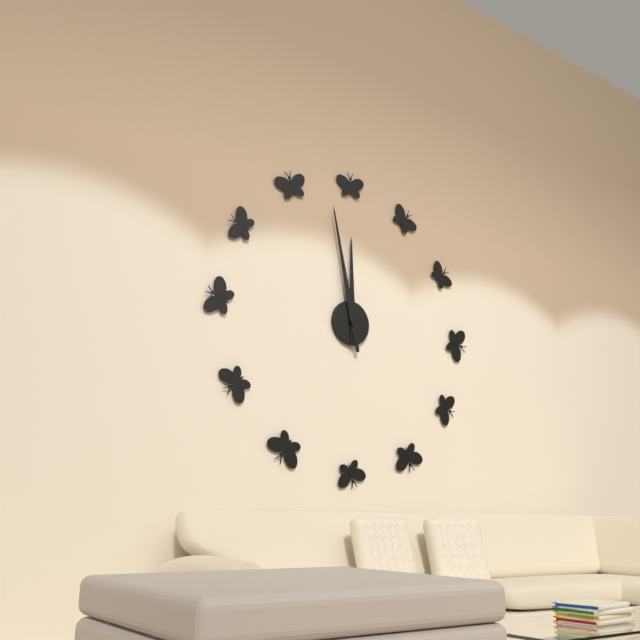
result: 11 h 58 min
